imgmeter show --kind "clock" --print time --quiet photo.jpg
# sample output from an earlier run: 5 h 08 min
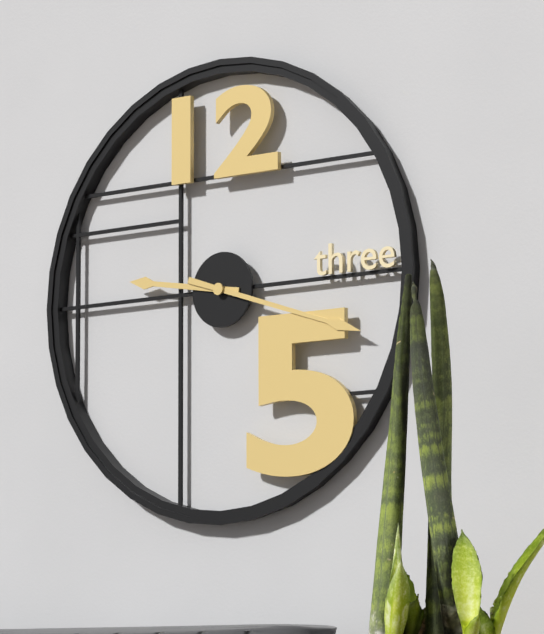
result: 9 h 18 min
